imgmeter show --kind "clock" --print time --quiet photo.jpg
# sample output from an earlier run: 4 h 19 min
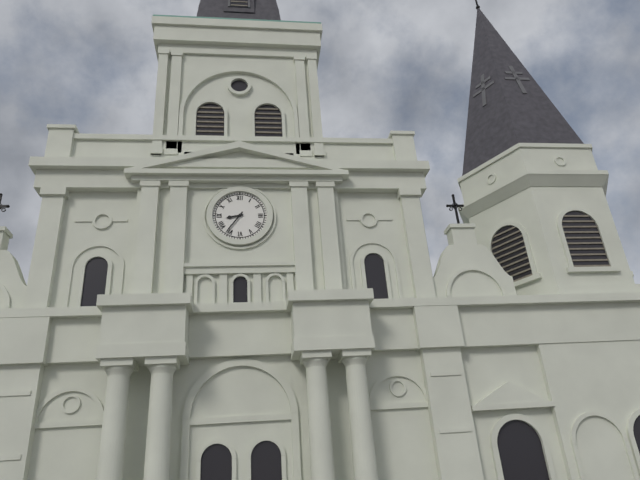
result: 8 h 36 min
